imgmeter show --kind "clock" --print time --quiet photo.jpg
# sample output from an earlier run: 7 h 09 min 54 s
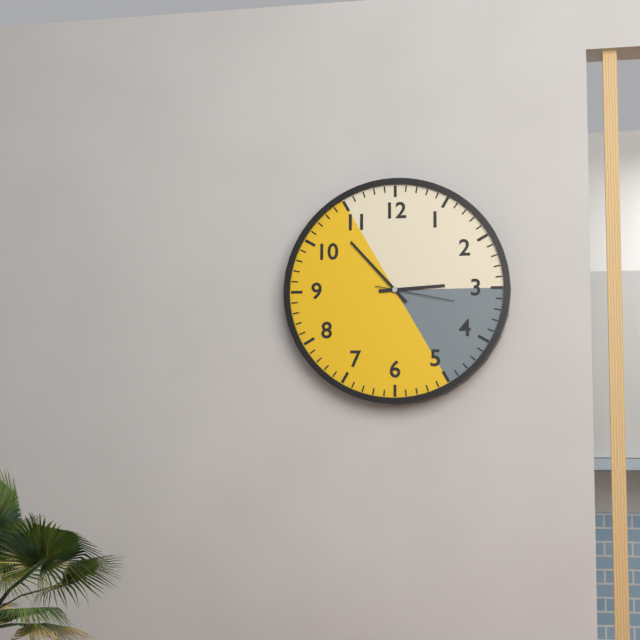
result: 2 h 53 min 17 s
